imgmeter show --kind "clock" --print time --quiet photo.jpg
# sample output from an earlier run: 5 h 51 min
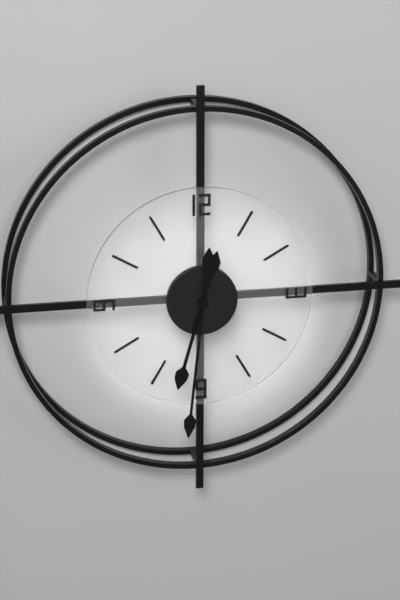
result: 6 h 31 min
